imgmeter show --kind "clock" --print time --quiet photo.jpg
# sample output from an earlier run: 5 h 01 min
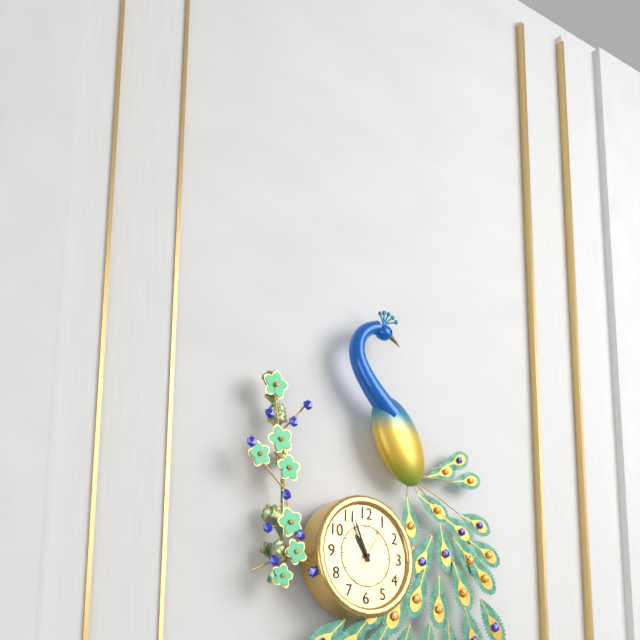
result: 10 h 56 min
